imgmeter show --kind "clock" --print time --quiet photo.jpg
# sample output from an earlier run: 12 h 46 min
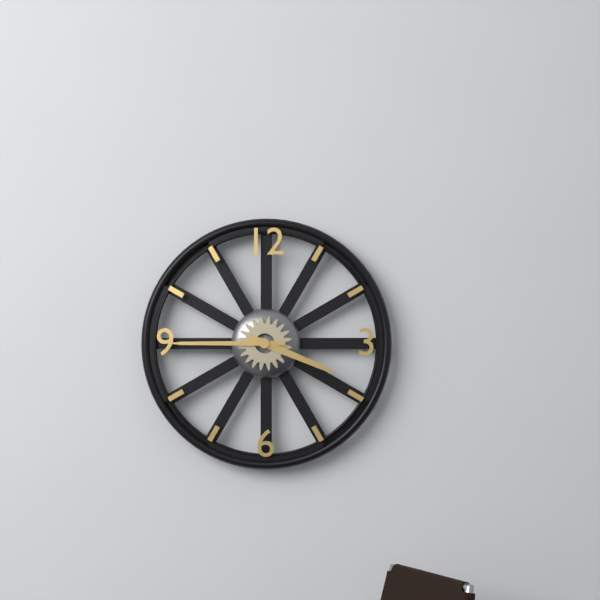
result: 3 h 45 min
